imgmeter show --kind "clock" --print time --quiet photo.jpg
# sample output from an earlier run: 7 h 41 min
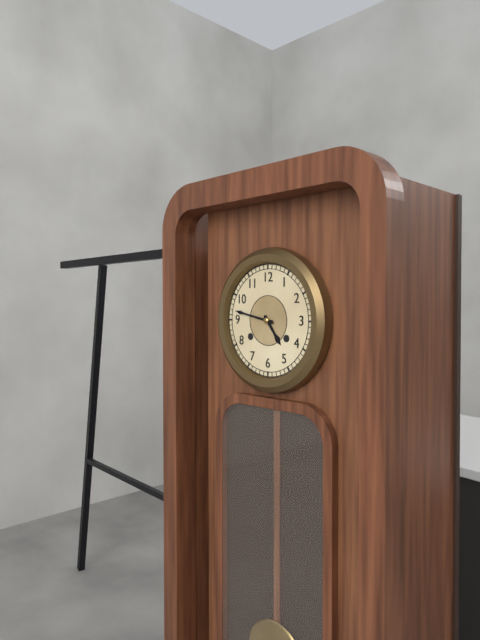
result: 4 h 47 min
